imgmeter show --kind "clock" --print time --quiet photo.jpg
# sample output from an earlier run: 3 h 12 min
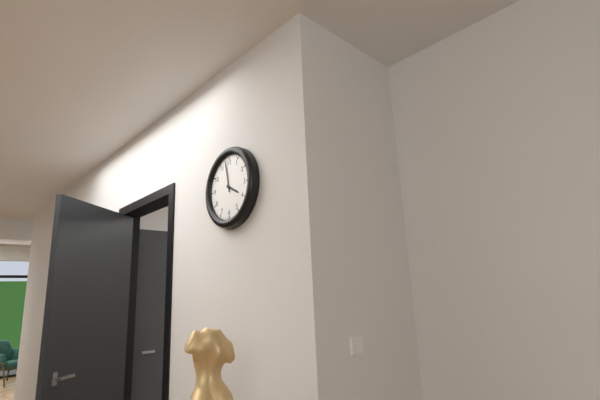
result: 3 h 58 min
